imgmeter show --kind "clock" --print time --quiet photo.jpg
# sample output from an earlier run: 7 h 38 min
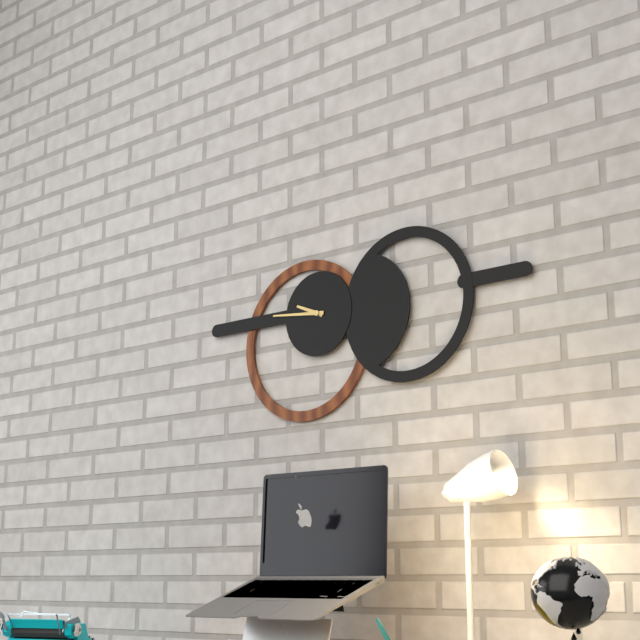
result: 9 h 46 min
